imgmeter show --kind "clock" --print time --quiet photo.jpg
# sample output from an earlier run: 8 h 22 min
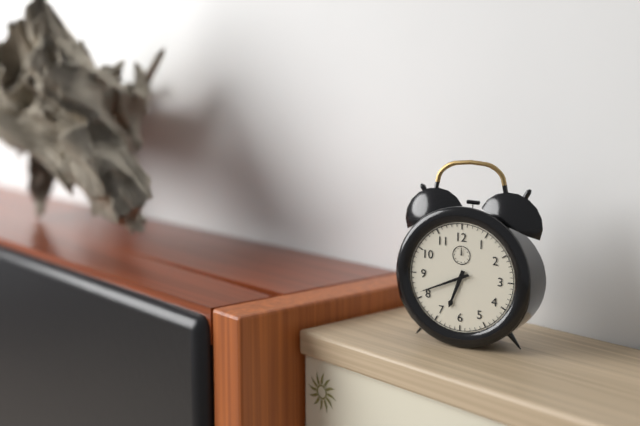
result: 6 h 41 min
